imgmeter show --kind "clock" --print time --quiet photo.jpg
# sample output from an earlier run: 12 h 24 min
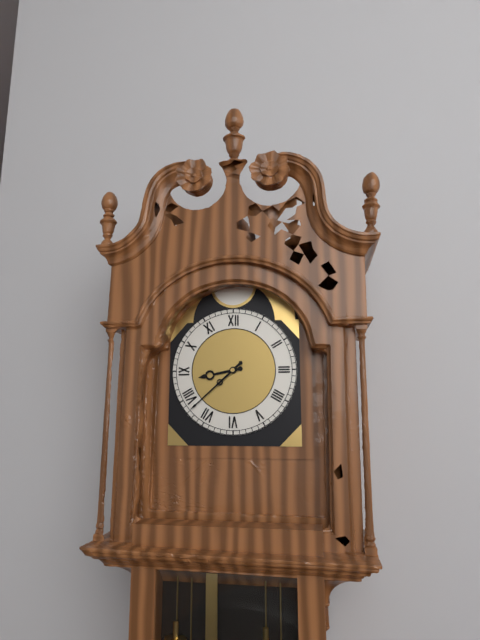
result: 8 h 38 min
